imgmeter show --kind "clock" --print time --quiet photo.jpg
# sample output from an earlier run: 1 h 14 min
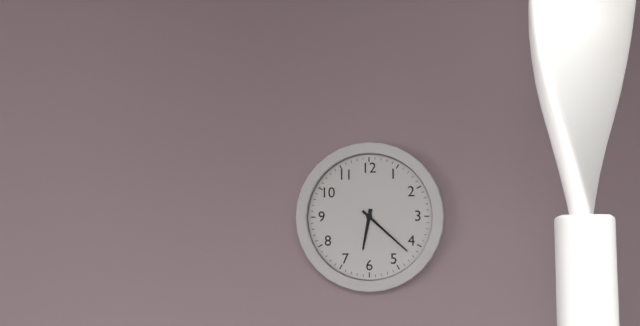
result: 6 h 22 min
